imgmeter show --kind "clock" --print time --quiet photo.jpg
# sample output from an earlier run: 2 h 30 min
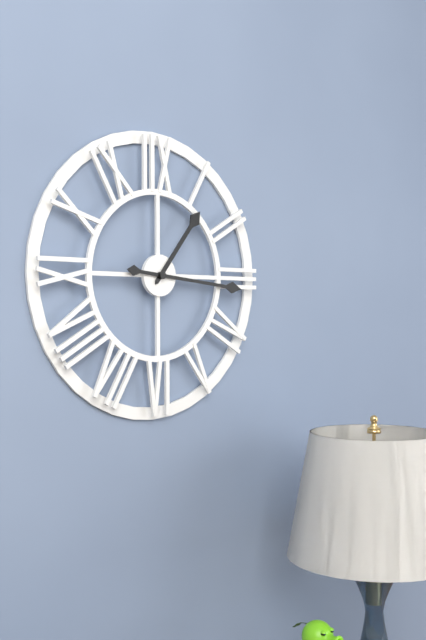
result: 1 h 16 min
